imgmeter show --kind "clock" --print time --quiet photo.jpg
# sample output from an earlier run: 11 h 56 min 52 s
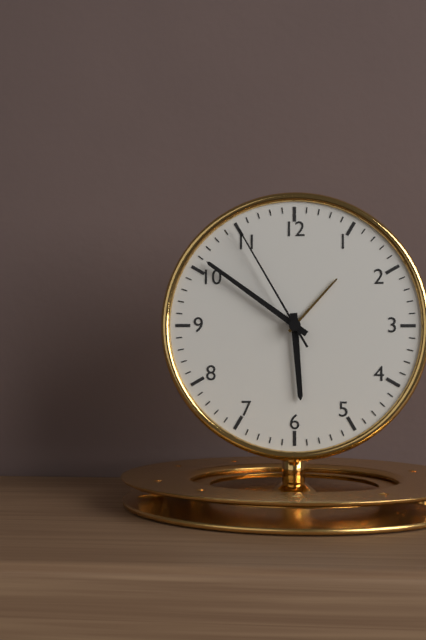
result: 5 h 51 min 55 s
